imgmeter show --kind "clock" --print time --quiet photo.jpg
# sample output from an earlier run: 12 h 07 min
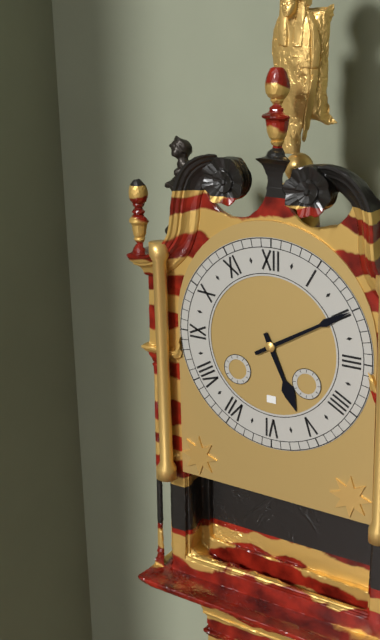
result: 5 h 10 min
